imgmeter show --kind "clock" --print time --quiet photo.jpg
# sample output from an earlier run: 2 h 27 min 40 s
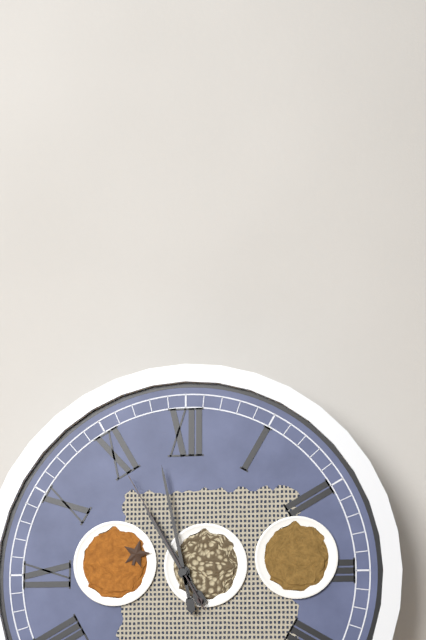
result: 10 h 58 min 55 s
